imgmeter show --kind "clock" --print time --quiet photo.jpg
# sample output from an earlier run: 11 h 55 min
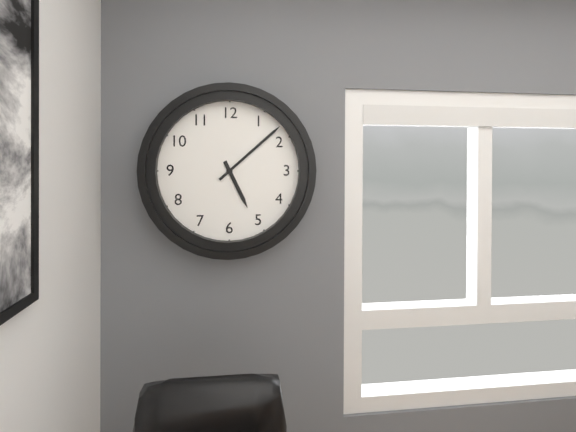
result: 5 h 08 min
